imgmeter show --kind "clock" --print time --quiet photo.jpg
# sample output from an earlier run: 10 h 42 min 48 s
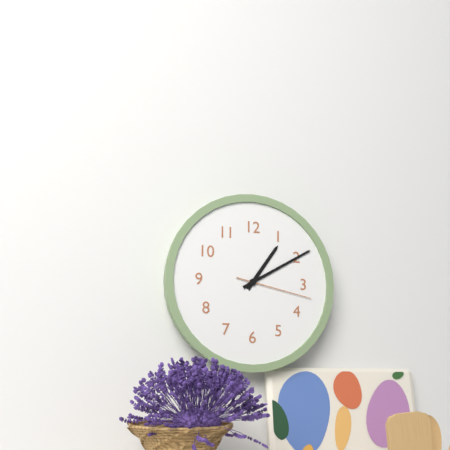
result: 1 h 10 min 17 s
